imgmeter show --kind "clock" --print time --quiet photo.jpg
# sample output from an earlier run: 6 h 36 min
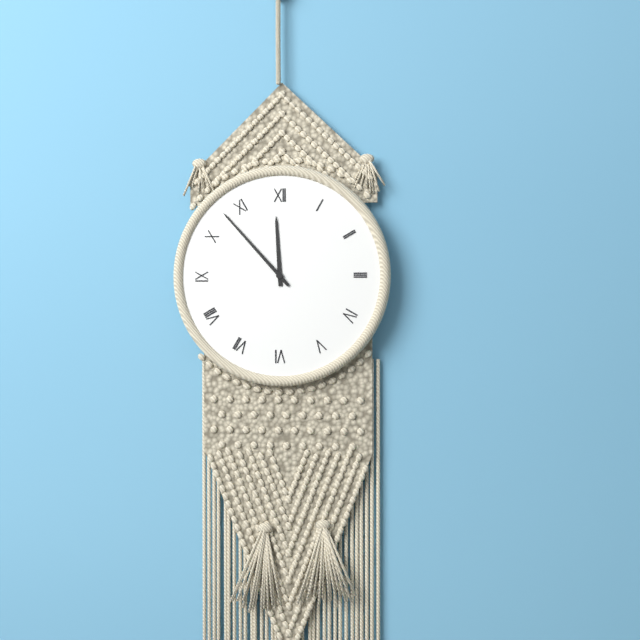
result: 11 h 53 min
